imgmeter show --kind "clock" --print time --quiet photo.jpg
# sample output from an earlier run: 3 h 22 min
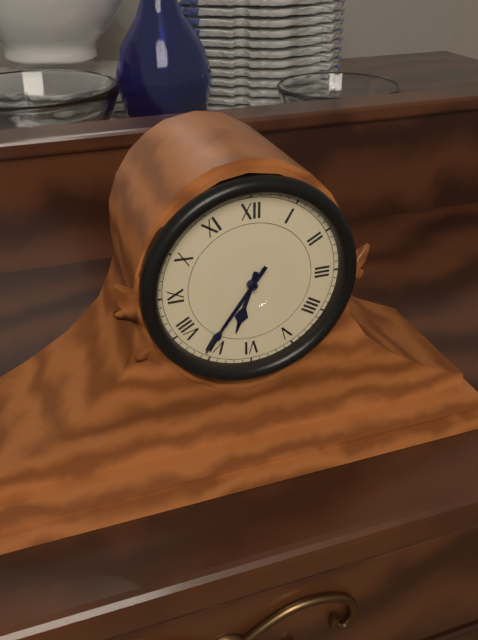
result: 6 h 36 min
